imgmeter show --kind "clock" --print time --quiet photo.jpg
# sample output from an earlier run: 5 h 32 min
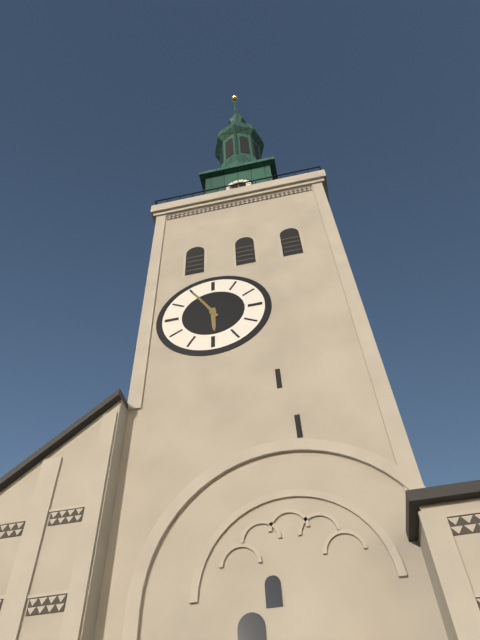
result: 5 h 55 min
